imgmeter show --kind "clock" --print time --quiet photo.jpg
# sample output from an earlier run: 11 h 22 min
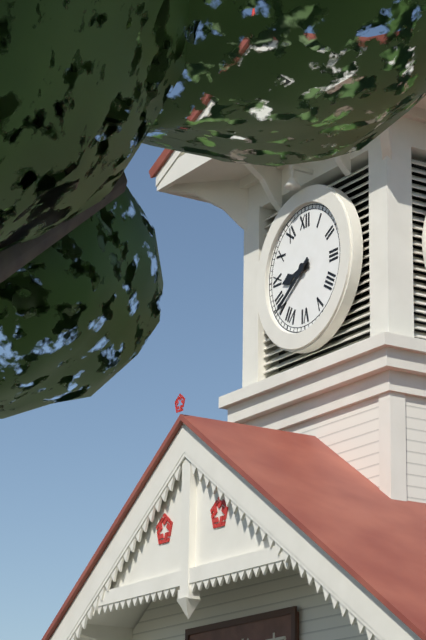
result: 8 h 39 min
